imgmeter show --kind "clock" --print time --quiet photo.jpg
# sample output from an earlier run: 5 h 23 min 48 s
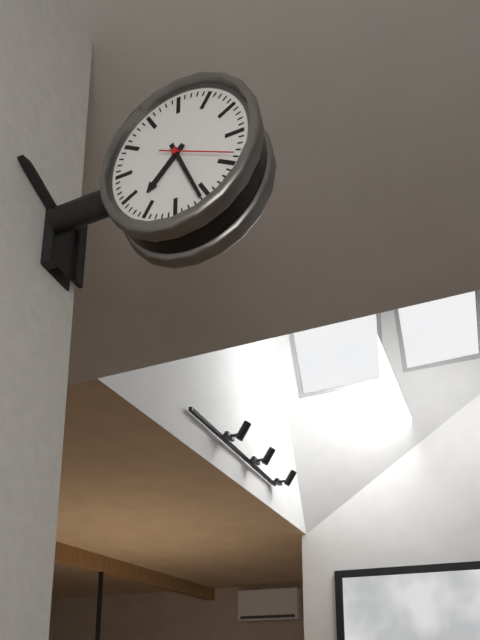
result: 7 h 26 min 19 s
